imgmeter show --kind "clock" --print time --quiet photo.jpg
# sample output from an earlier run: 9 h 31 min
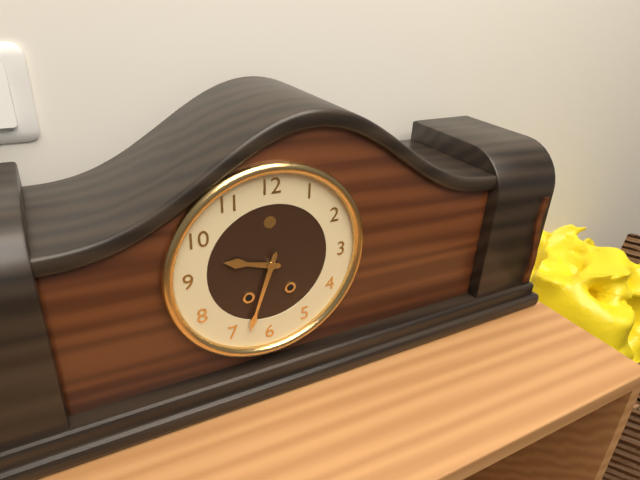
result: 9 h 33 min
